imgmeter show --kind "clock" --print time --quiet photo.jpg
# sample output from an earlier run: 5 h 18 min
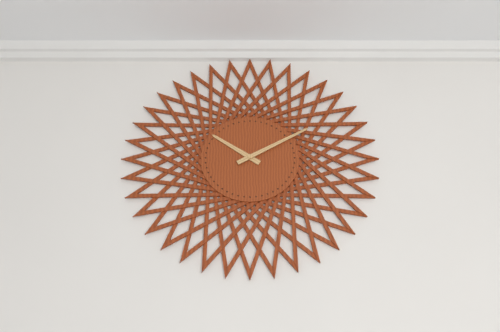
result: 10 h 10 min
